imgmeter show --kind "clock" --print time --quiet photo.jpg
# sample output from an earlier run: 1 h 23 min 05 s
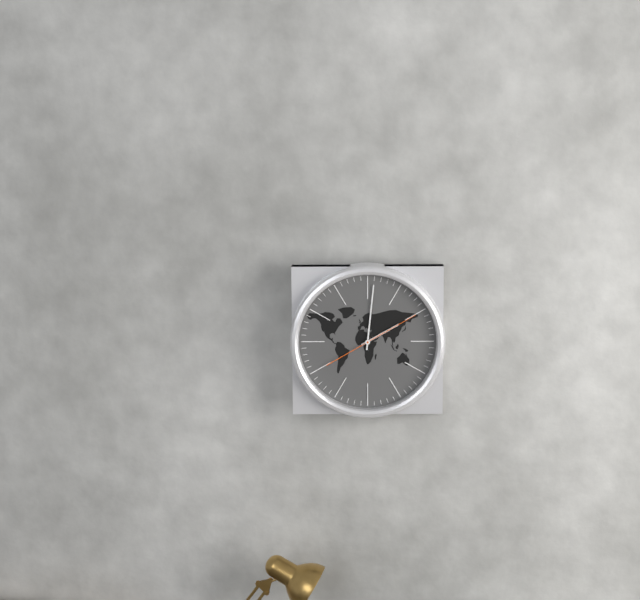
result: 2 h 01 min 10 s
